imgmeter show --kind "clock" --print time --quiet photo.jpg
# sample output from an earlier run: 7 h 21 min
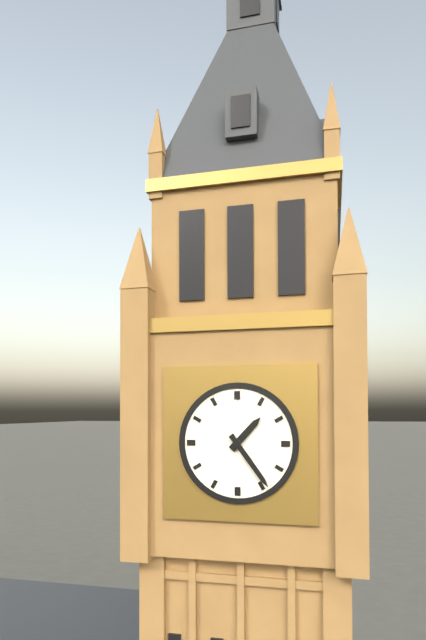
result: 1 h 24 min
